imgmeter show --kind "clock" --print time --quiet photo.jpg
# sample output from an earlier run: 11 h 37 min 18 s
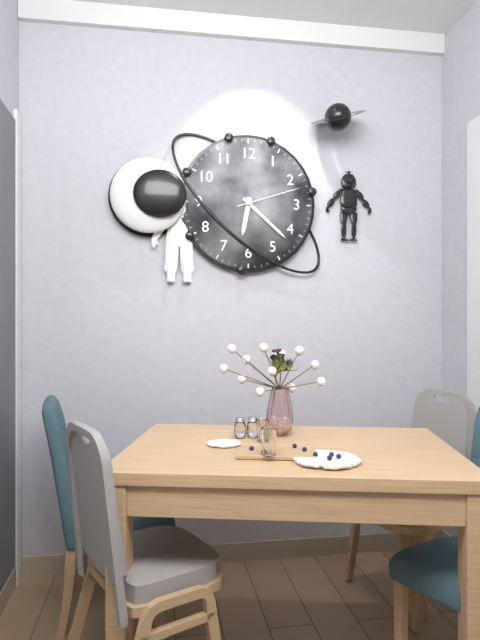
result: 6 h 22 min 12 s
